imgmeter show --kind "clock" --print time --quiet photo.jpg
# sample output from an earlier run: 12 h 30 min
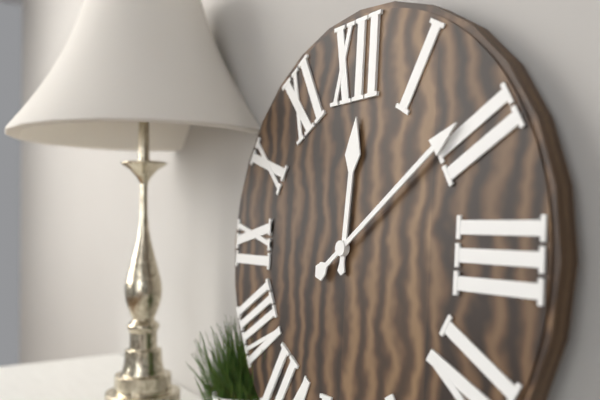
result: 12 h 09 min
